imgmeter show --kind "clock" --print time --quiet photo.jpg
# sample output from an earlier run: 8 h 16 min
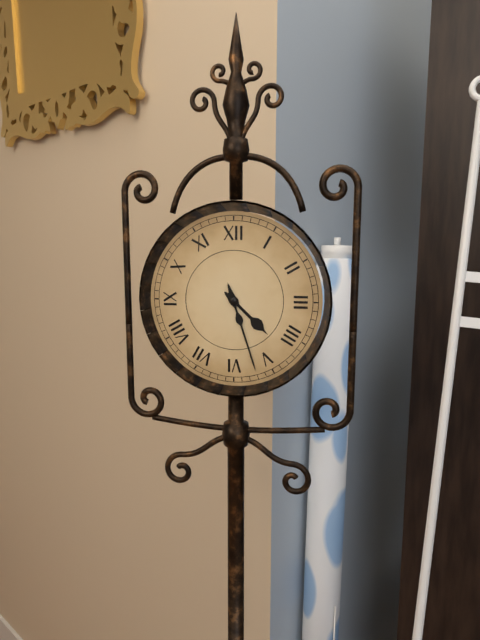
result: 4 h 27 min
